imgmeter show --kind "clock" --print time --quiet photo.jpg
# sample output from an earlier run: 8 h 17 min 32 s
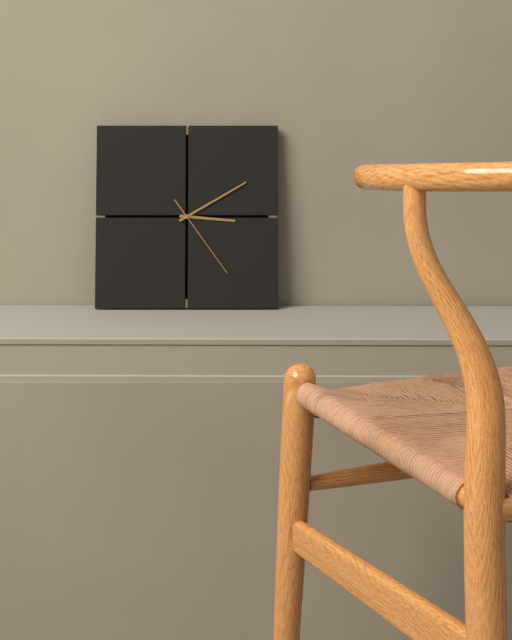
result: 3 h 10 min 24 s
